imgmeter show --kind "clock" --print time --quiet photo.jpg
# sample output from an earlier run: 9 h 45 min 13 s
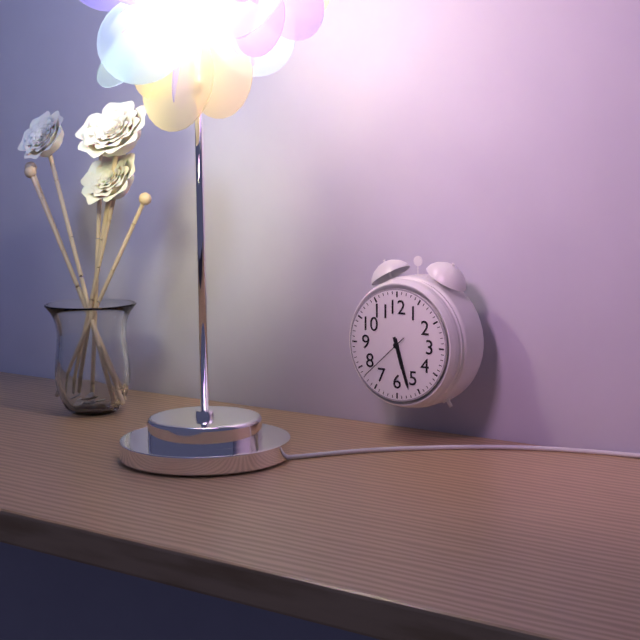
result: 5 h 27 min 38 s
